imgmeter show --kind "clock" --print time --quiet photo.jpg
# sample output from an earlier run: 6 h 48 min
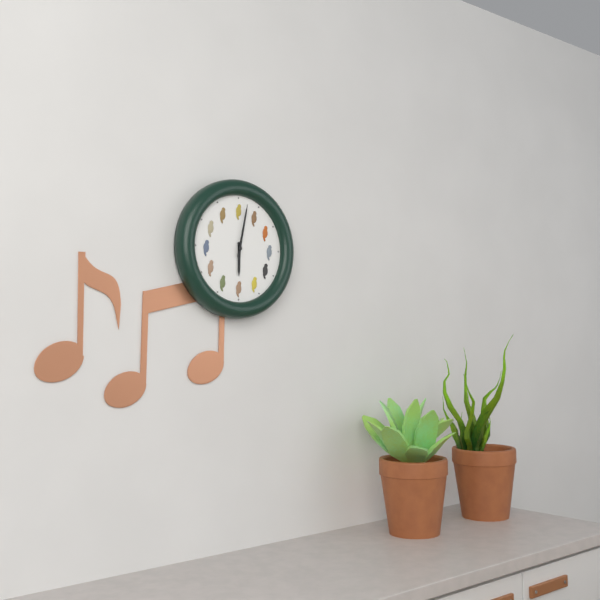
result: 6 h 02 min
